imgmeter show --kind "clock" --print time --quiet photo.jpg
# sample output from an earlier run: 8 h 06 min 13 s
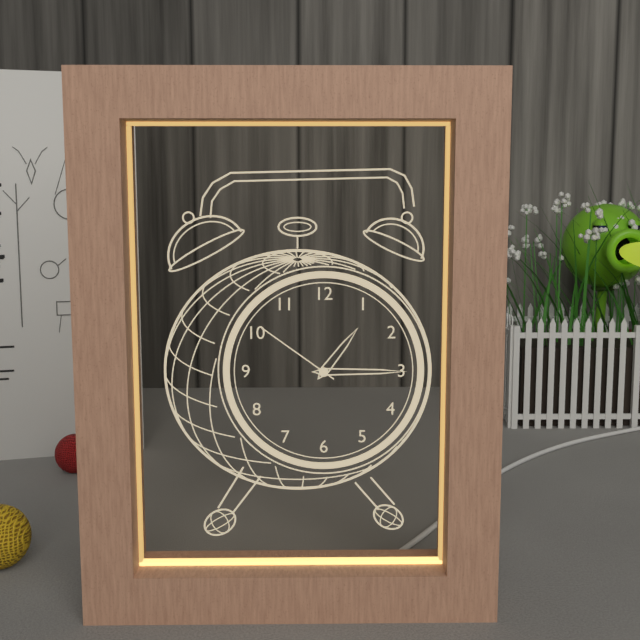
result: 1 h 15 min 51 s
